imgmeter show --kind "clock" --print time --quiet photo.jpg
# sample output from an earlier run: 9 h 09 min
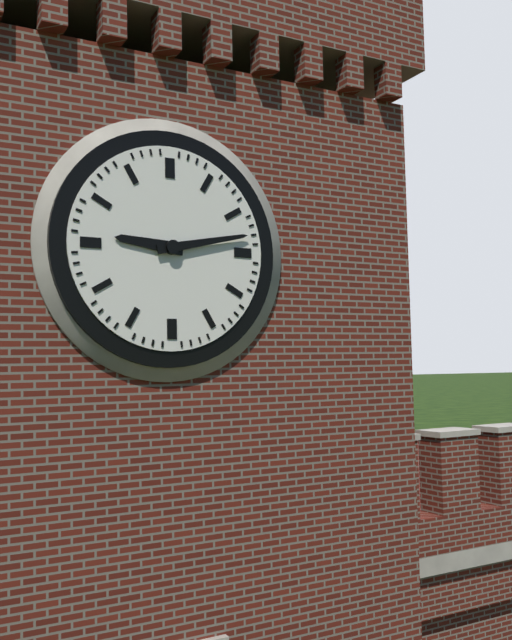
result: 9 h 13 min
